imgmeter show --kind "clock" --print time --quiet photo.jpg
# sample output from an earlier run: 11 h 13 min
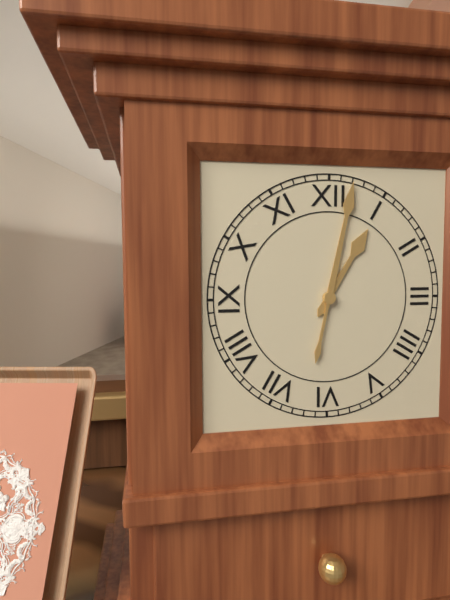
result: 1 h 02 min
